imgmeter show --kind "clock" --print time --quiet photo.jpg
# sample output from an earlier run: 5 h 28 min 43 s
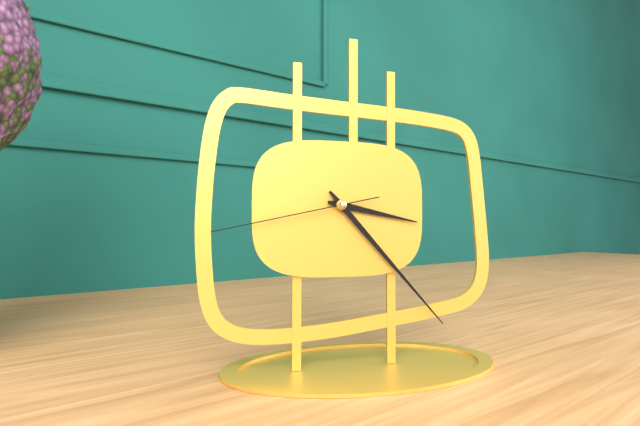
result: 3 h 23 min 43 s
